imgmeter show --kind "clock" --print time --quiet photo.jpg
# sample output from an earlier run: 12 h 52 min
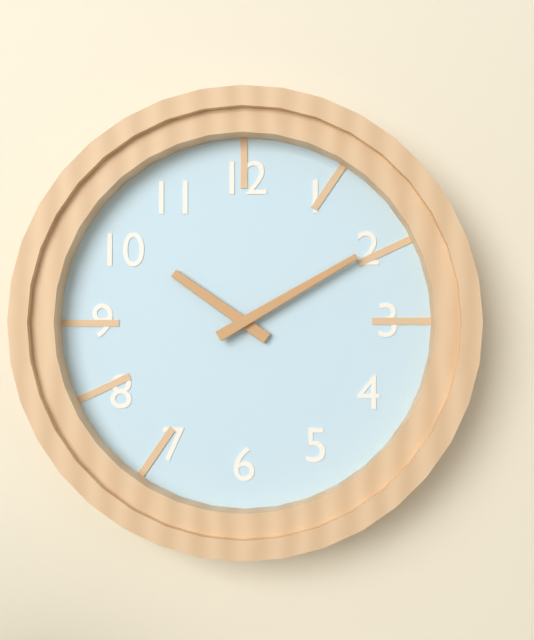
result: 10 h 10 min
